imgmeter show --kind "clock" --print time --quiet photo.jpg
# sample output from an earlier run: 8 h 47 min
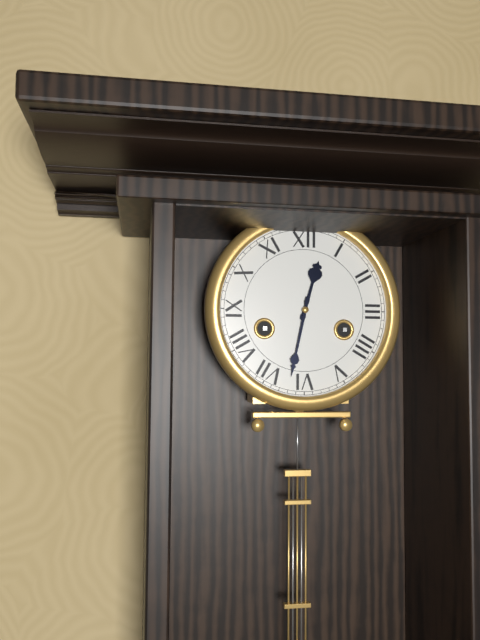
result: 12 h 32 min
